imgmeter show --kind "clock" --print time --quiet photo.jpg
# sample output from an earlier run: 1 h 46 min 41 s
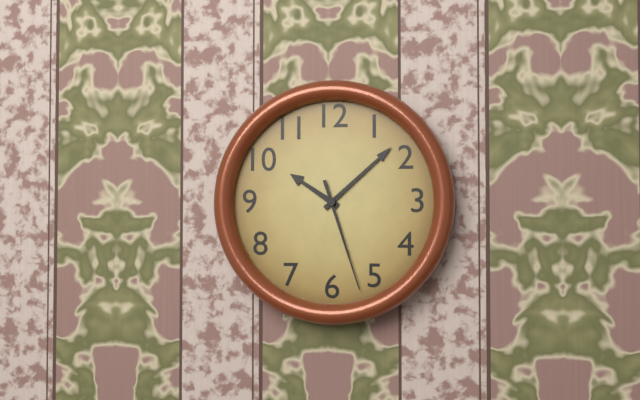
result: 10 h 08 min 27 s
